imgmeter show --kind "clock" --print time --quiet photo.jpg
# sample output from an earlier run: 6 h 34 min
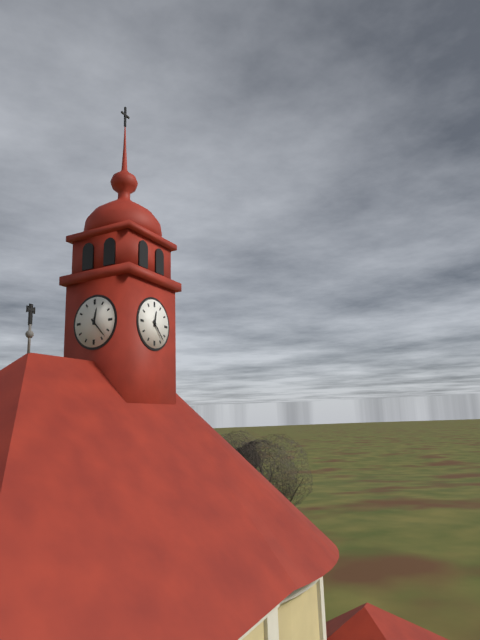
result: 12 h 23 min
